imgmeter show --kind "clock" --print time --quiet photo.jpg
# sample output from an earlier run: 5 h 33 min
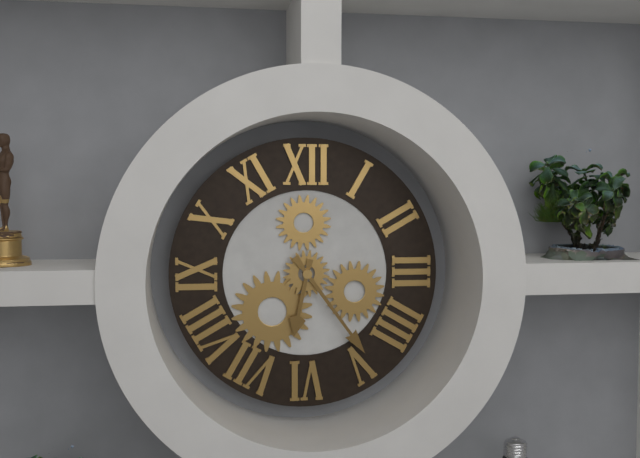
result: 6 h 24 min
